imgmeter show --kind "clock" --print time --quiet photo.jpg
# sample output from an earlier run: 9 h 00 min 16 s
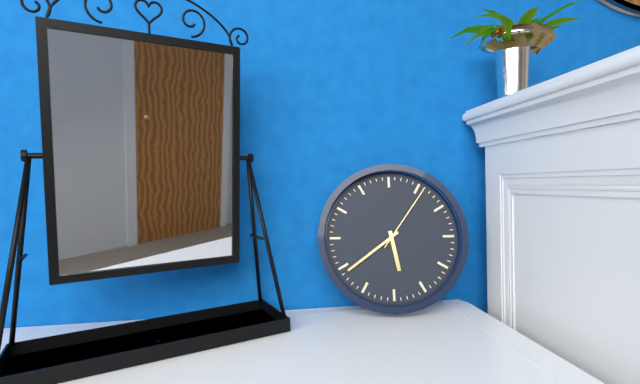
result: 5 h 39 min 06 s
